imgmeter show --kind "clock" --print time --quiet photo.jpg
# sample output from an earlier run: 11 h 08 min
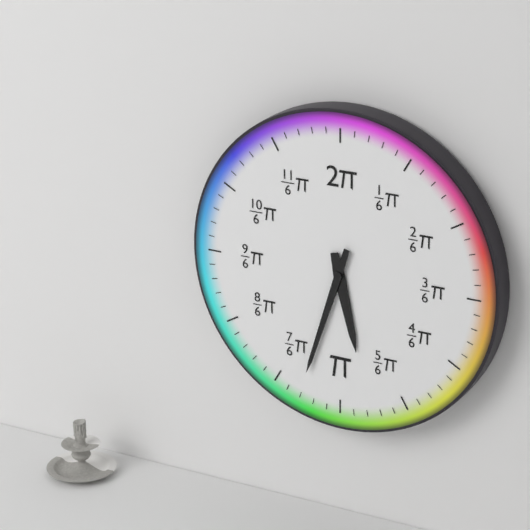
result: 5 h 33 min
